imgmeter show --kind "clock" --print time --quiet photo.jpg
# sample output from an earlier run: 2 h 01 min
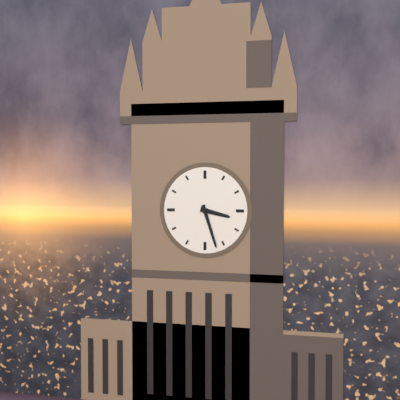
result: 3 h 27 min
